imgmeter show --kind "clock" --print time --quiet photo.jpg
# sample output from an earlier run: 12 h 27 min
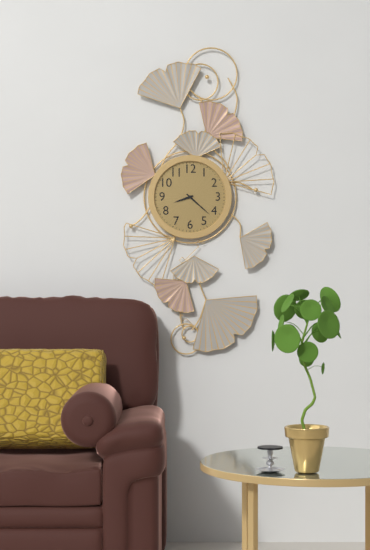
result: 8 h 22 min
